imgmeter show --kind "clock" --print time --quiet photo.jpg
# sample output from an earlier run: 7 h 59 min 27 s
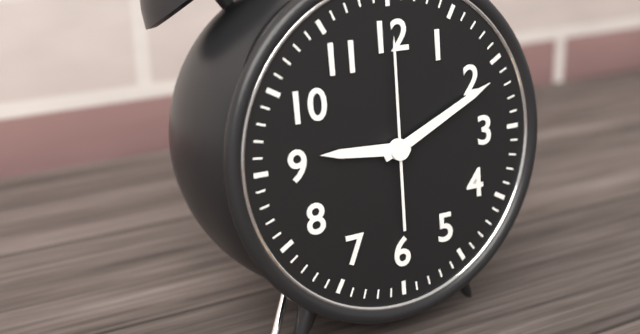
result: 9 h 11 min 00 s
